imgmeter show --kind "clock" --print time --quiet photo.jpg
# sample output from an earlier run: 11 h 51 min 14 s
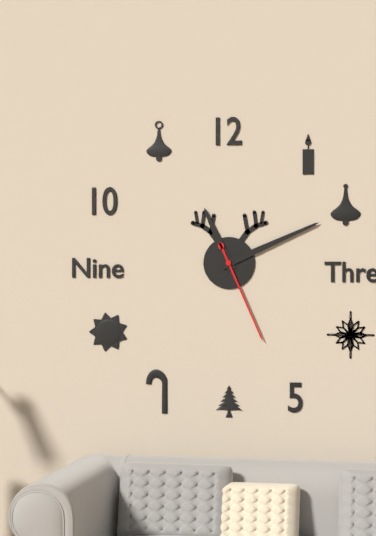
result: 11 h 11 min 26 s
